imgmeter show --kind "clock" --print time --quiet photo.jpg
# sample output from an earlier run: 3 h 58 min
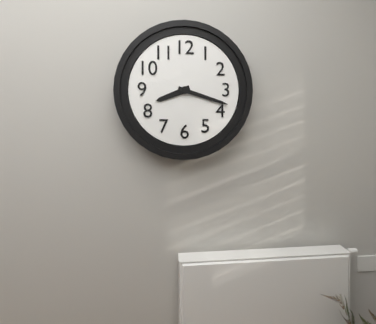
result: 8 h 18 min
